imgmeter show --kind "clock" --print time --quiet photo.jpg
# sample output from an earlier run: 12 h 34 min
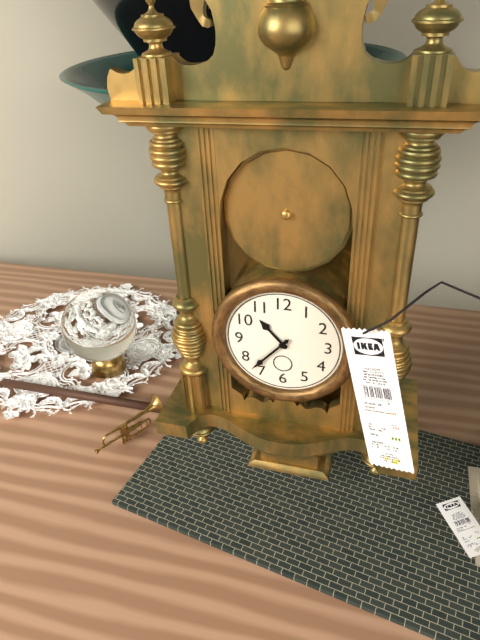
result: 10 h 37 min
